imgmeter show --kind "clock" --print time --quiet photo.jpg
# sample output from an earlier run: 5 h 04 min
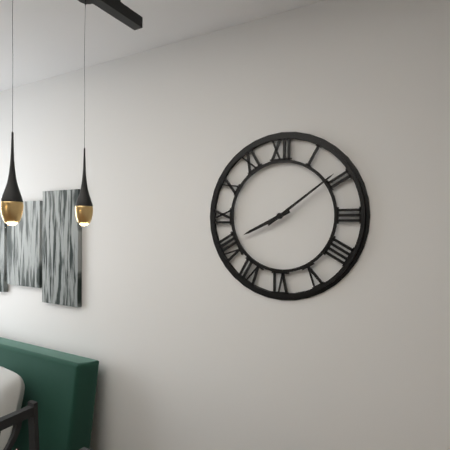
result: 8 h 09 min
